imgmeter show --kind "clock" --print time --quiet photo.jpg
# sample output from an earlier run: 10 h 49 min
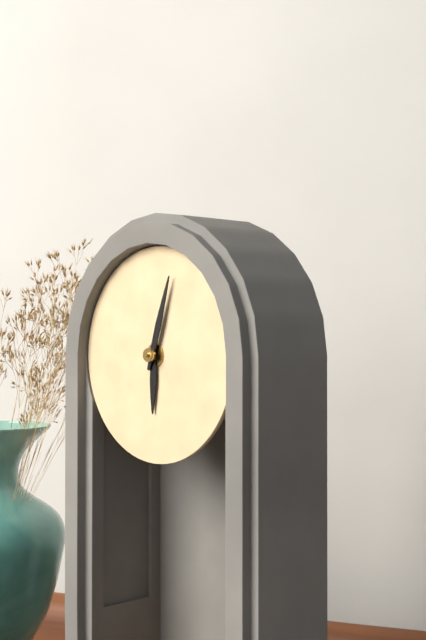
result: 6 h 03 min
